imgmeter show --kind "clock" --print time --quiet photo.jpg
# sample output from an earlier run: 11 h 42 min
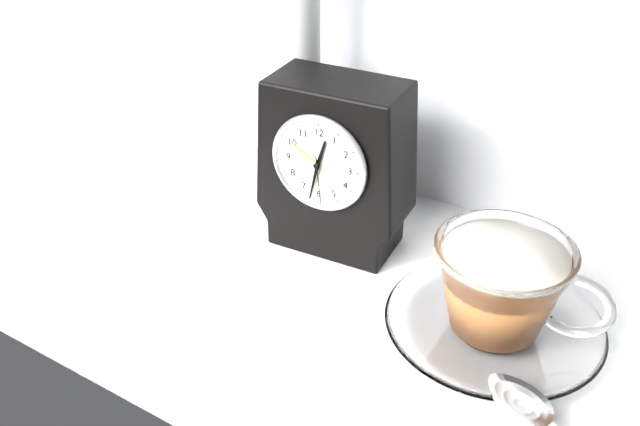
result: 12 h 32 min
